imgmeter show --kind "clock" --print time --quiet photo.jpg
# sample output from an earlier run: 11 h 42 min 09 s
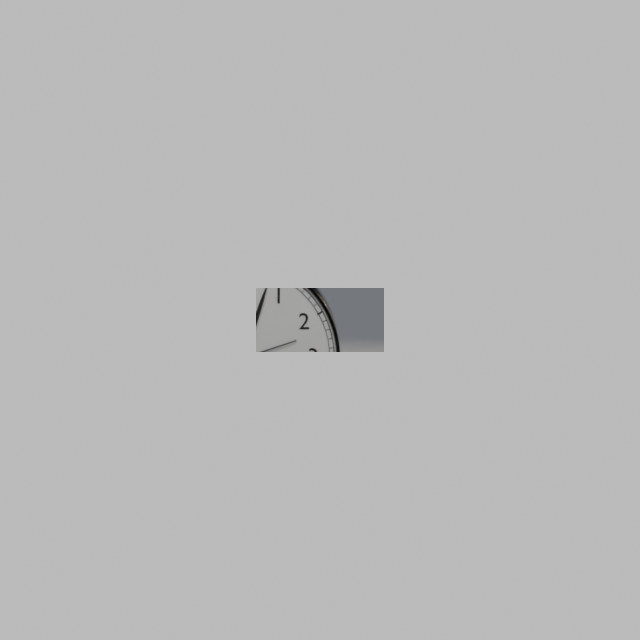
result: 12 h 03 min 12 s
